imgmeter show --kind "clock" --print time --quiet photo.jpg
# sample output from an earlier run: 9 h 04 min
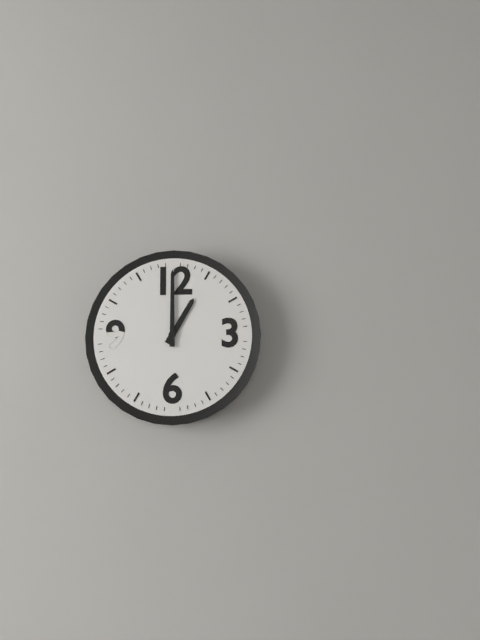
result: 1 h 00 min
